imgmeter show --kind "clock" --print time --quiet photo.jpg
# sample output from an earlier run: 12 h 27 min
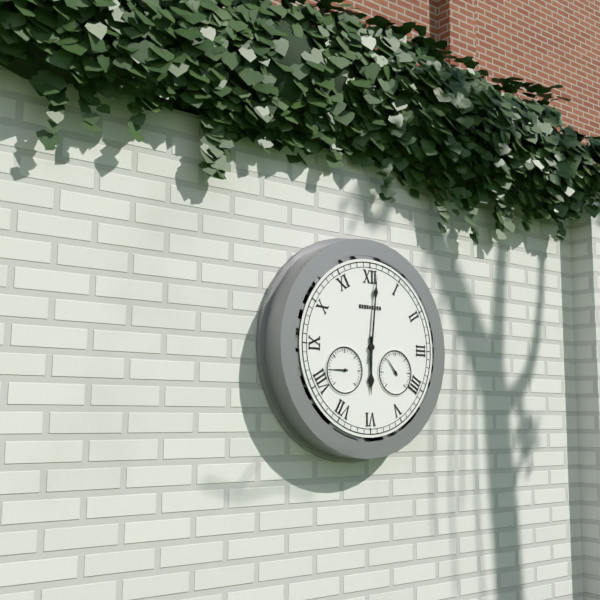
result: 6 h 01 min
